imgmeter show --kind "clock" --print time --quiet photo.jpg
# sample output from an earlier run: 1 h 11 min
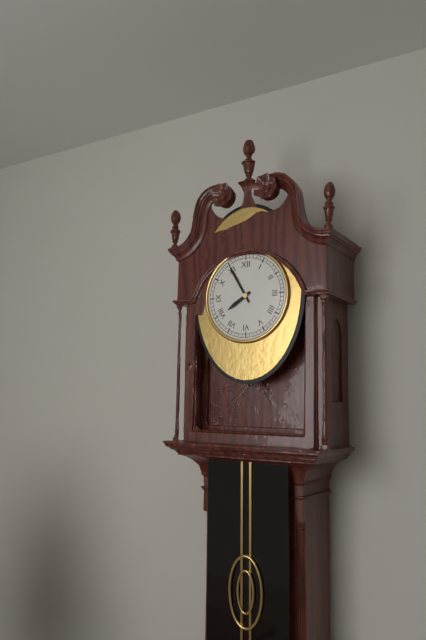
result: 7 h 55 min
